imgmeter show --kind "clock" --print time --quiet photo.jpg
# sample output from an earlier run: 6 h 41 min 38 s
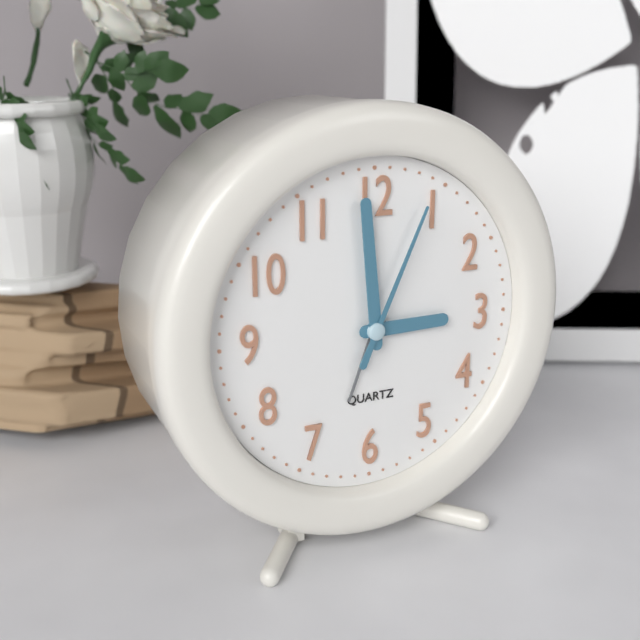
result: 2 h 59 min 04 s
